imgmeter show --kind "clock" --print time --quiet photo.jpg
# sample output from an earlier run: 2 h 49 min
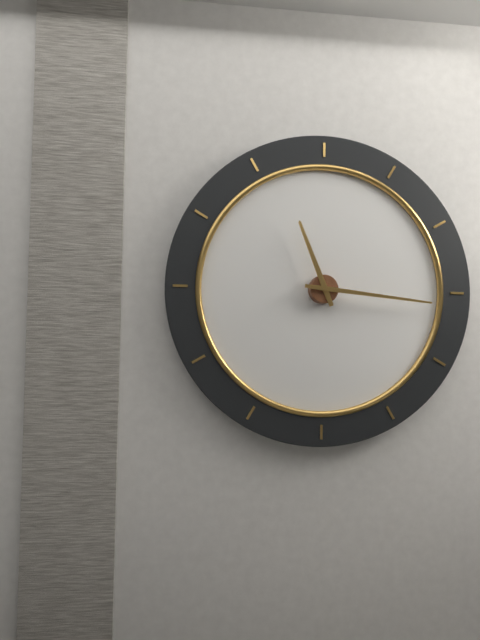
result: 11 h 16 min
